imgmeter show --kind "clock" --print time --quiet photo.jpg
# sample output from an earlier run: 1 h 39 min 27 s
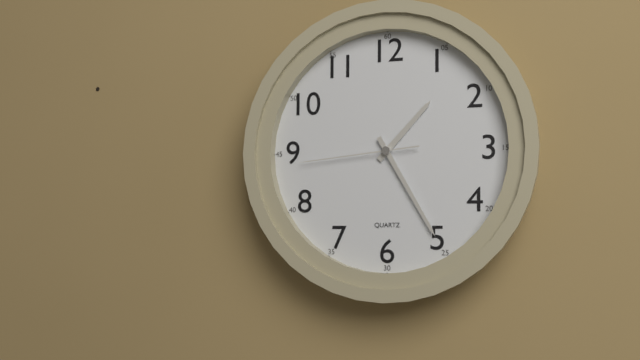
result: 1 h 25 min 44 s
